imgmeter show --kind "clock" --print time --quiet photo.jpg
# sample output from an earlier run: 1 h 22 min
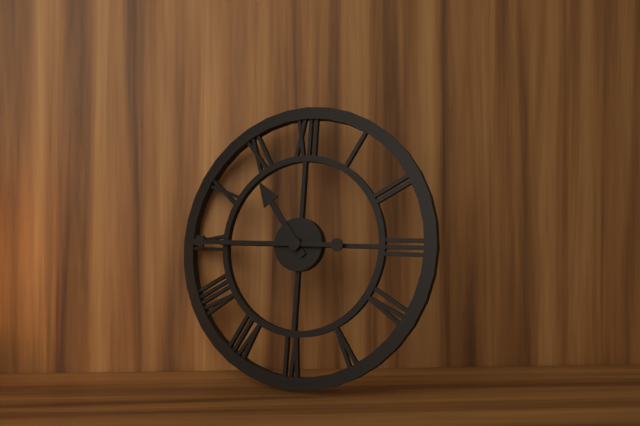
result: 10 h 45 min
